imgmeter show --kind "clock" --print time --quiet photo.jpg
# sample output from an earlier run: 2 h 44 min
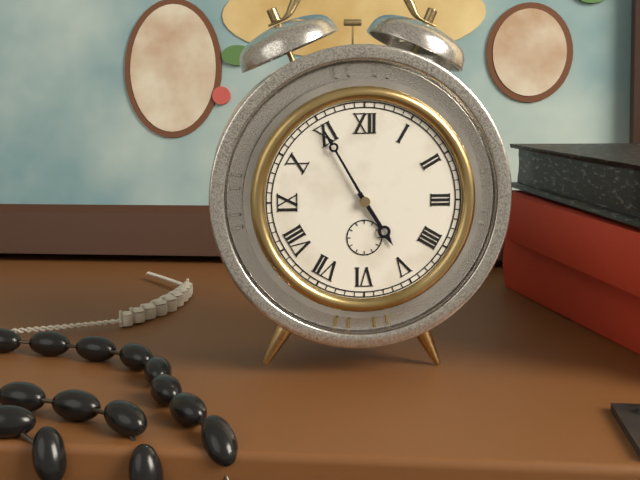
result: 4 h 55 min
